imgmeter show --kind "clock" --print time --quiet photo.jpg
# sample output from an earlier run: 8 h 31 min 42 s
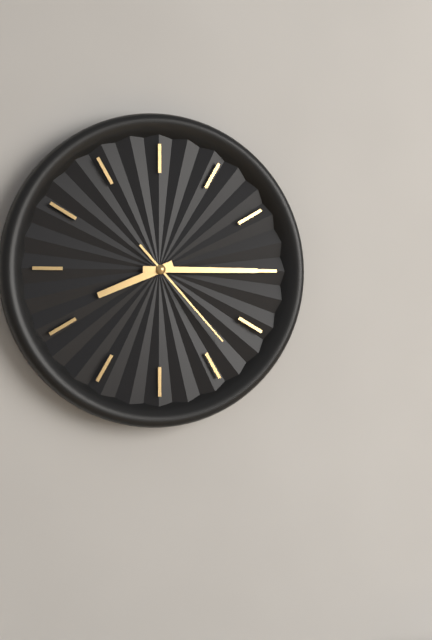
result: 8 h 15 min 23 s
